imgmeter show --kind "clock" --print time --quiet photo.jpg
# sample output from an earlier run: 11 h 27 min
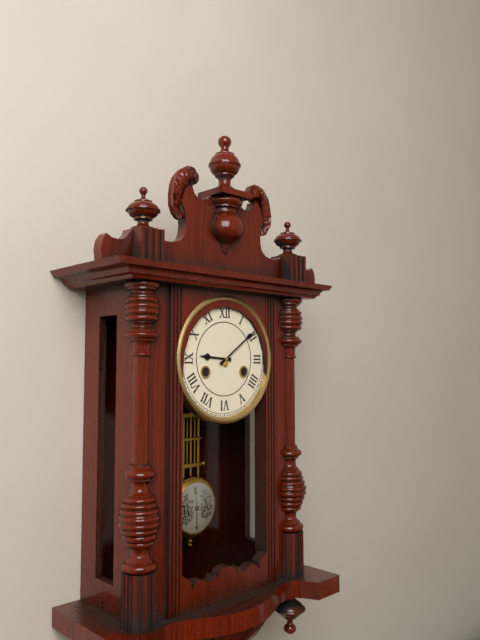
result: 9 h 09 min
